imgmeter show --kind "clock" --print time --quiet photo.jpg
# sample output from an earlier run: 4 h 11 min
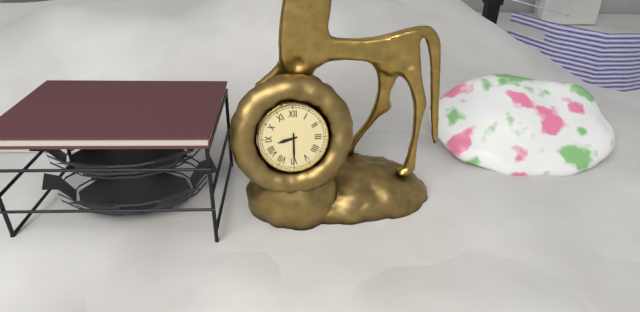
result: 8 h 30 min
